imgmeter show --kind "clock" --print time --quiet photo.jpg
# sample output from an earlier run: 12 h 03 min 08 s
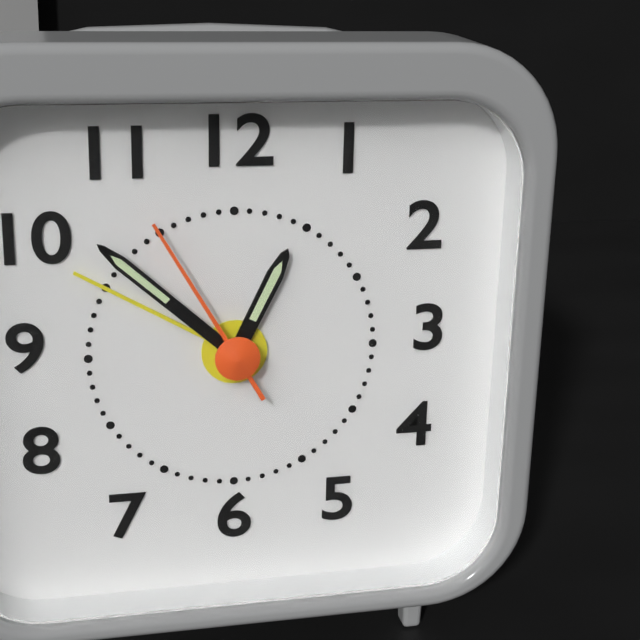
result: 12 h 52 min 55 s
